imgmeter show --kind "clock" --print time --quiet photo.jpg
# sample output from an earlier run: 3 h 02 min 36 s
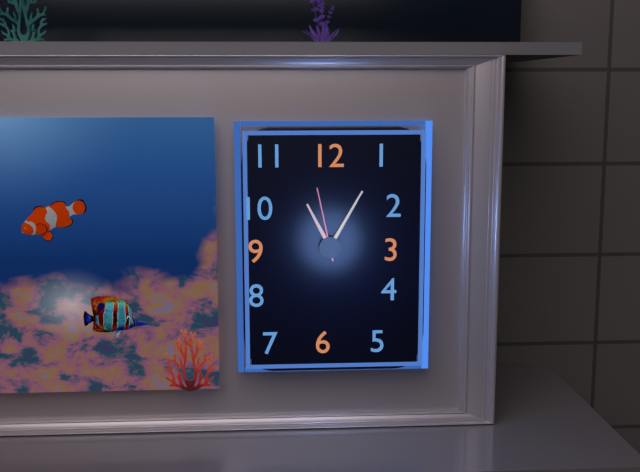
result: 11 h 05 min 58 s
